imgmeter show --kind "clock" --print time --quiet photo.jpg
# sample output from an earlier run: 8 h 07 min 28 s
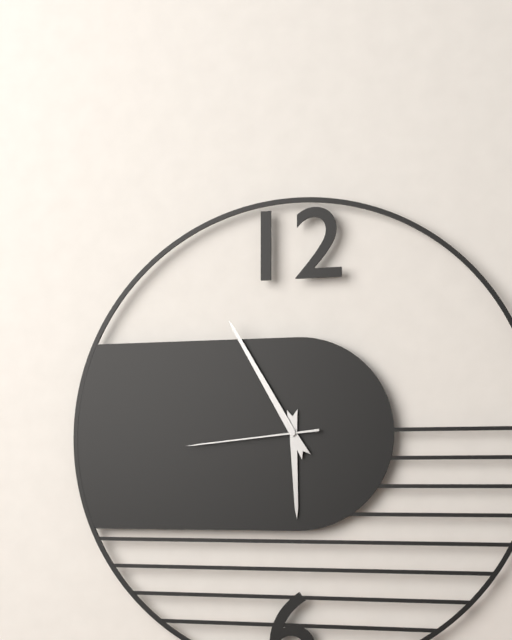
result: 5 h 55 min 44 s
